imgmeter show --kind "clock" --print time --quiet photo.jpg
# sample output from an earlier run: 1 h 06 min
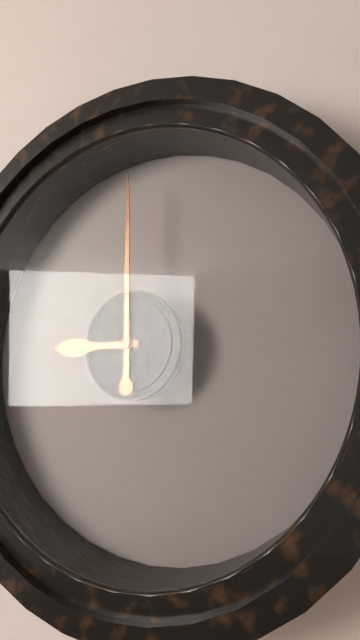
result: 9 h 00 min
